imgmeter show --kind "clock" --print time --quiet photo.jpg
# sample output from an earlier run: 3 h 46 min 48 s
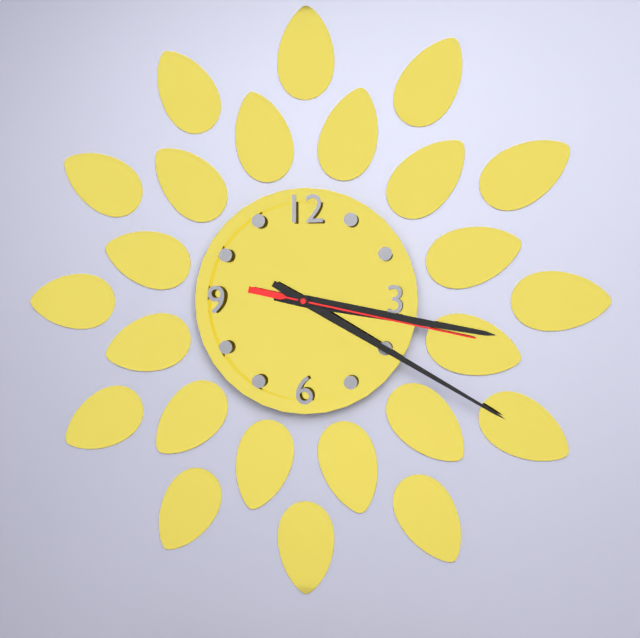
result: 3 h 20 min 17 s
